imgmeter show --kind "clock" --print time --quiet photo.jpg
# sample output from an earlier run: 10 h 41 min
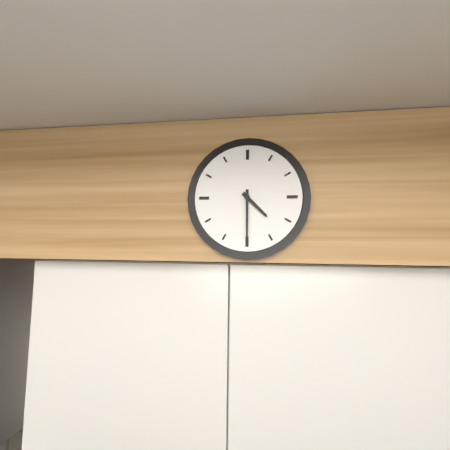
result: 4 h 30 min
